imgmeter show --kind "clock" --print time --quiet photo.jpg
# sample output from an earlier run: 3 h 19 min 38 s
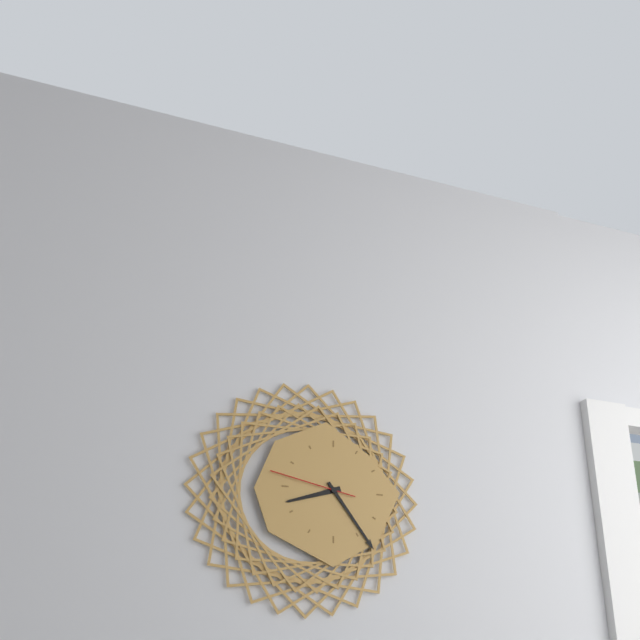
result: 8 h 24 min 47 s
